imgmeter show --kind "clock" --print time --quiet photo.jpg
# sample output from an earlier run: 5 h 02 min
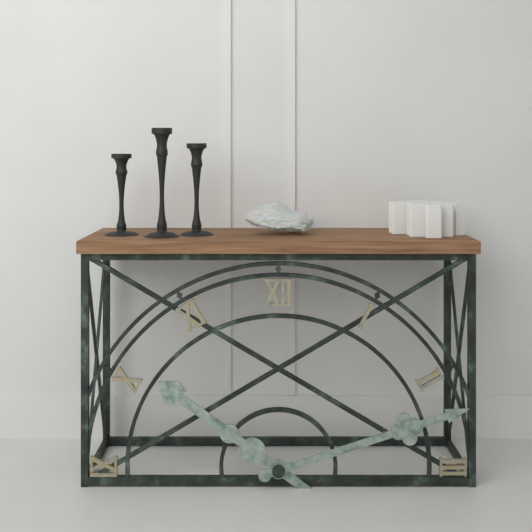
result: 10 h 12 min
